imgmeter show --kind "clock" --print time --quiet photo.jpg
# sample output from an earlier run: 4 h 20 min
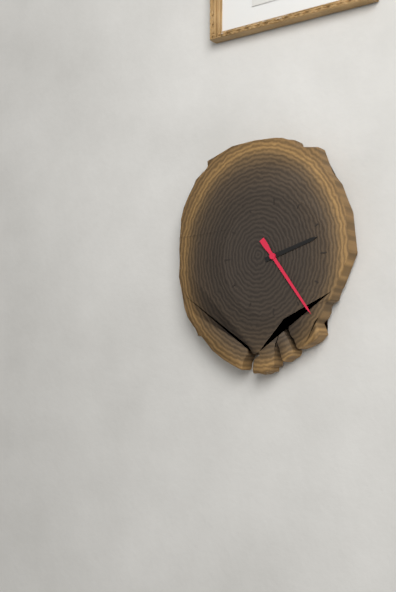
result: 2 h 24 min
